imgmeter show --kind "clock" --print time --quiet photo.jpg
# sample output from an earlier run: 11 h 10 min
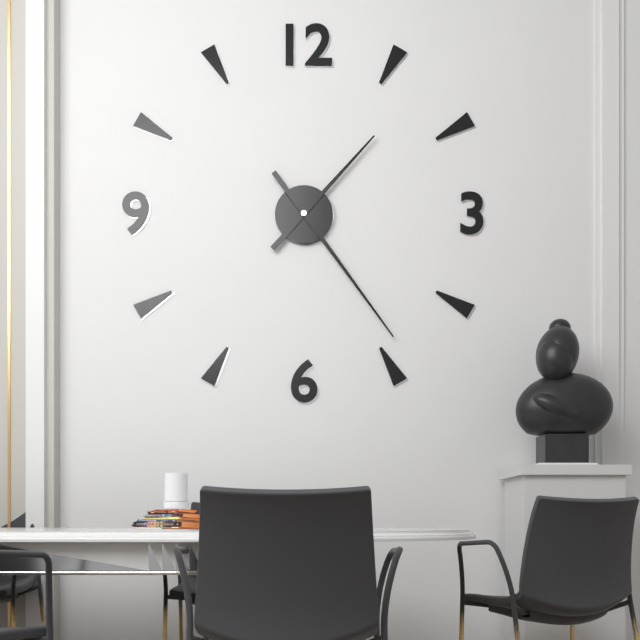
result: 1 h 24 min
